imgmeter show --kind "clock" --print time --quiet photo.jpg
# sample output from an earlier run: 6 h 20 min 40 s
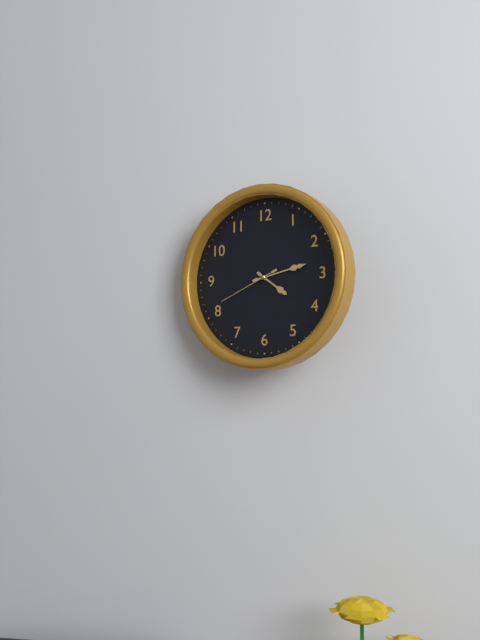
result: 4 h 13 min 41 s
